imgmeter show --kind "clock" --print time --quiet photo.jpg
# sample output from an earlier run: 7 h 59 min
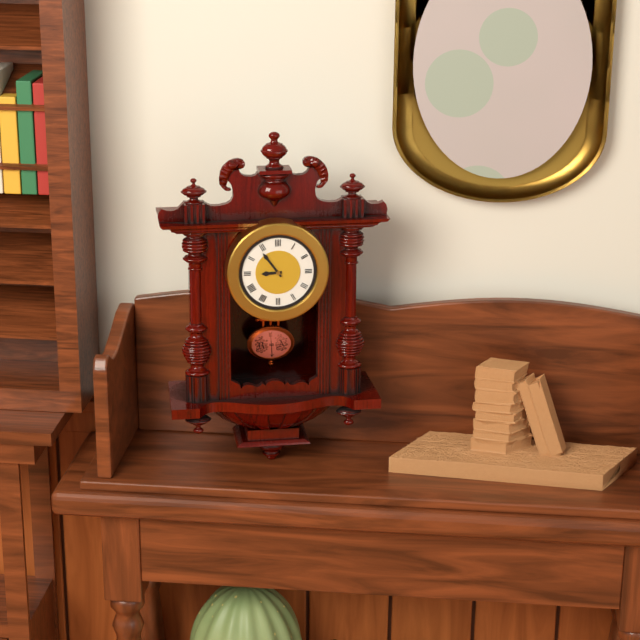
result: 8 h 54 min
